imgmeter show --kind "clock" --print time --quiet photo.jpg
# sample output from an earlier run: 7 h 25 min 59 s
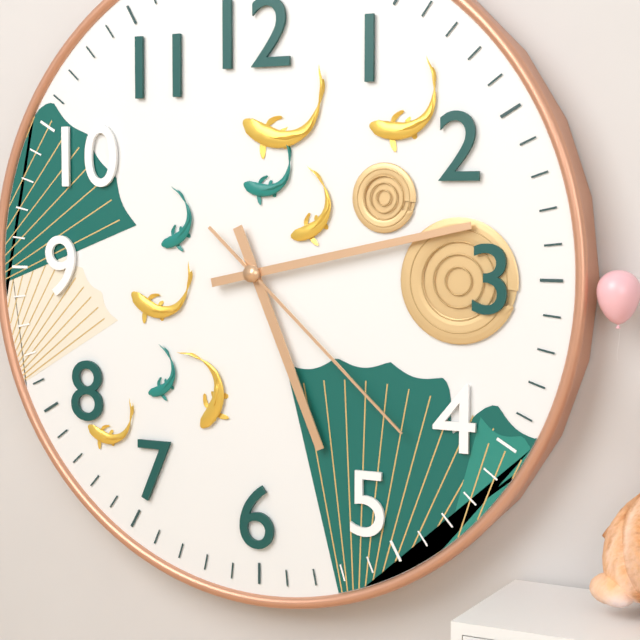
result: 5 h 13 min 22 s
